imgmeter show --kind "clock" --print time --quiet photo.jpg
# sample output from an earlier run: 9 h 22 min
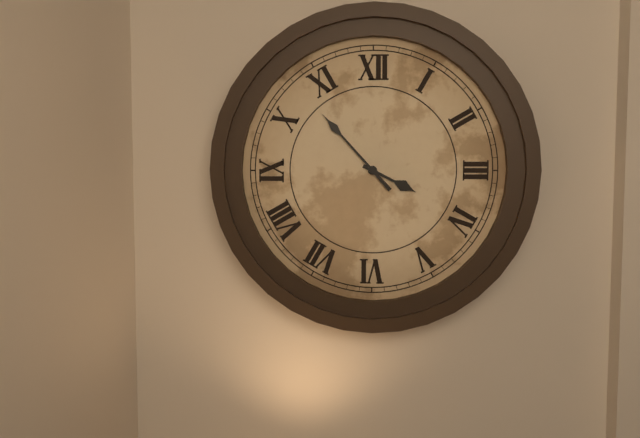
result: 3 h 53 min
